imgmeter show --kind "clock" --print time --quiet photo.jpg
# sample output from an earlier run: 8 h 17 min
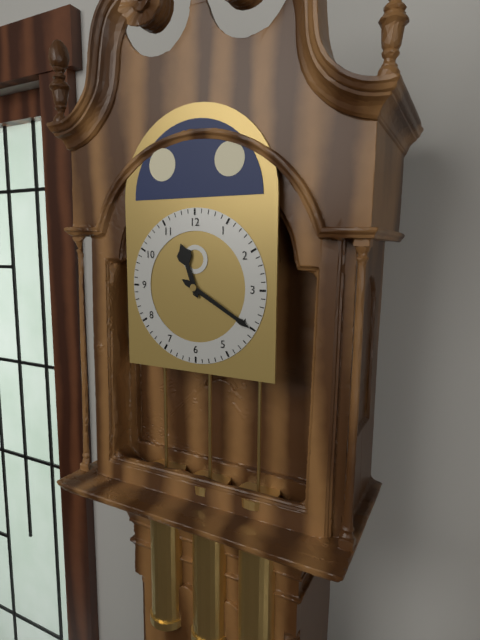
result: 11 h 20 min
